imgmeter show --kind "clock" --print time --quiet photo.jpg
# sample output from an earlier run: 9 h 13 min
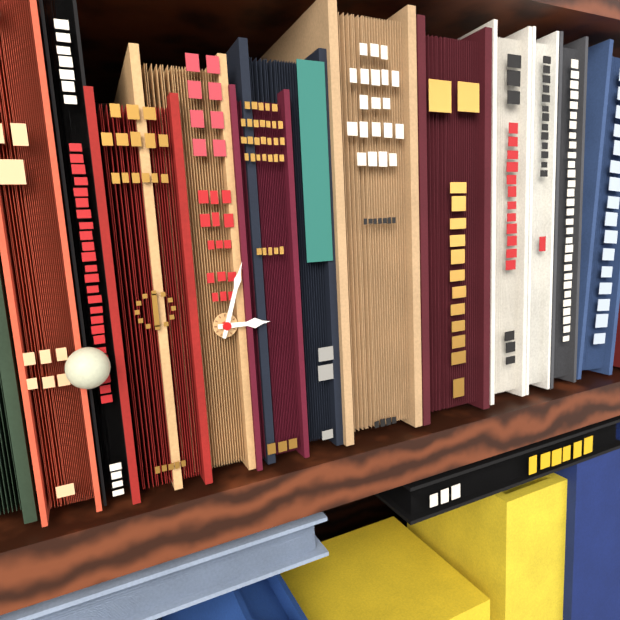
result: 3 h 03 min
